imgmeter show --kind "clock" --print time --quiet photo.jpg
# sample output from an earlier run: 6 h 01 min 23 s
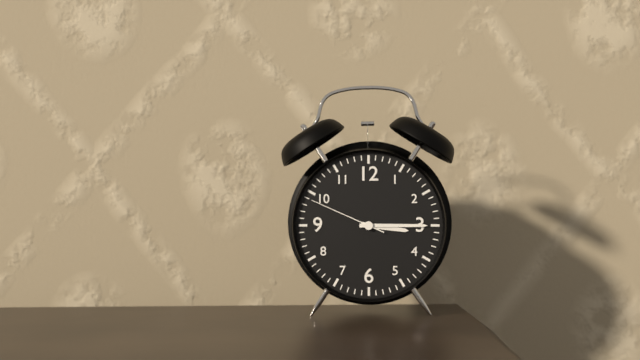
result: 3 h 15 min 49 s
